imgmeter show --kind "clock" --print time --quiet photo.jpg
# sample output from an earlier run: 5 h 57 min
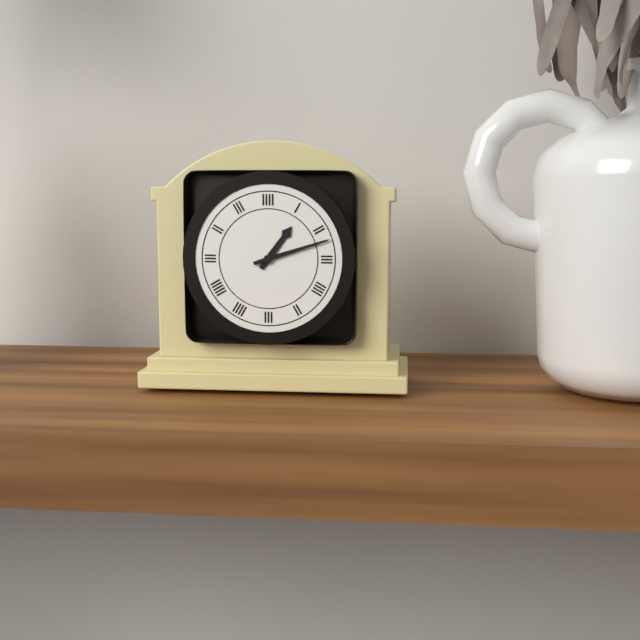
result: 1 h 12 min
